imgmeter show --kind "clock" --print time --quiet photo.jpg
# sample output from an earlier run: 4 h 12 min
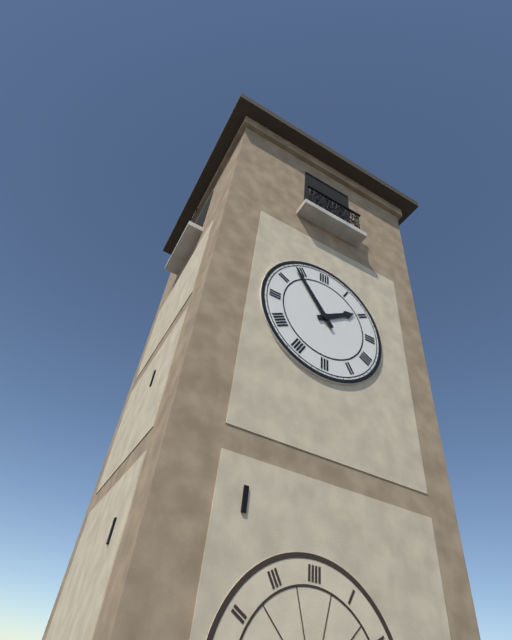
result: 1 h 54 min
